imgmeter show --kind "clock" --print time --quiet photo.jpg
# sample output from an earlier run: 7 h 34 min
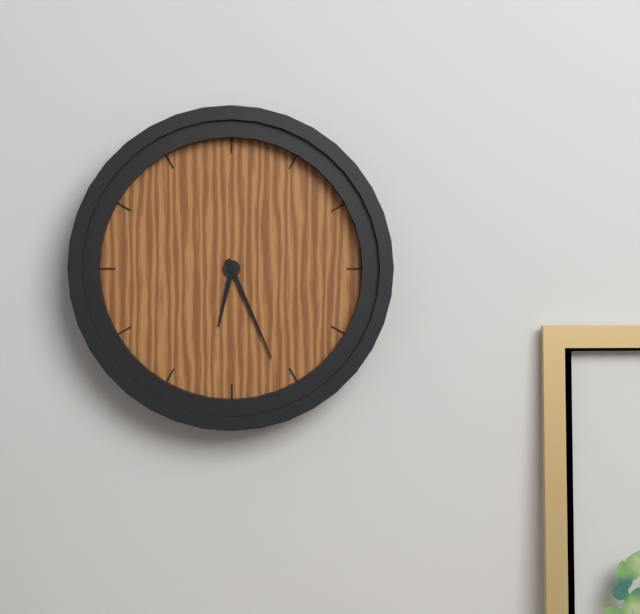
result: 6 h 26 min
